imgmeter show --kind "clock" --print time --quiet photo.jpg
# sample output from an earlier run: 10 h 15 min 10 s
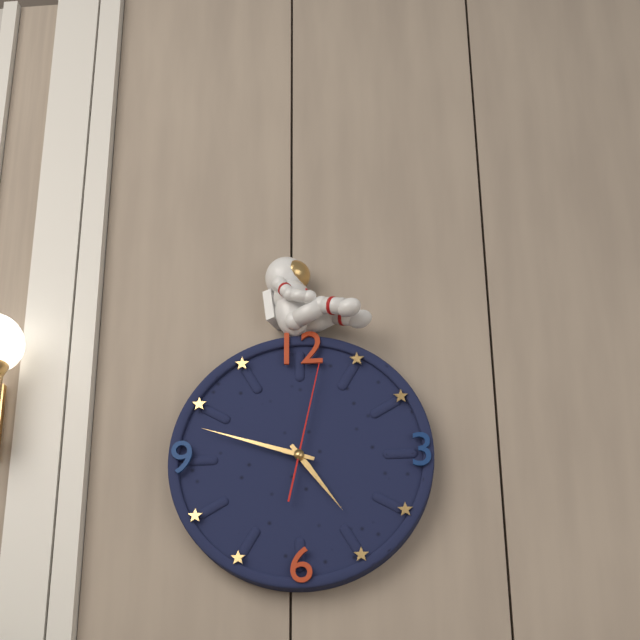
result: 4 h 48 min 02 s
